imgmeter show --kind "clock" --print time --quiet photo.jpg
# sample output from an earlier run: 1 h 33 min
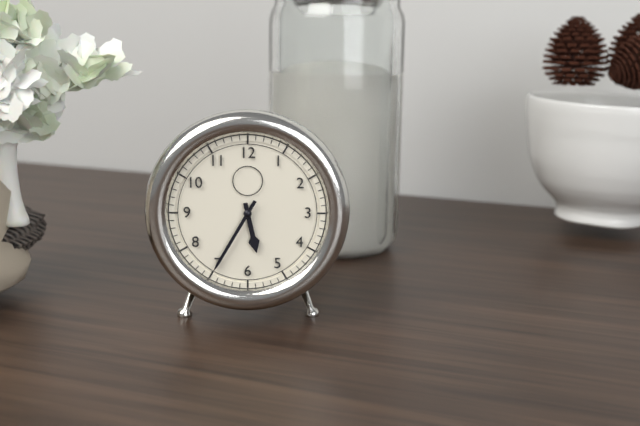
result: 5 h 35 min
